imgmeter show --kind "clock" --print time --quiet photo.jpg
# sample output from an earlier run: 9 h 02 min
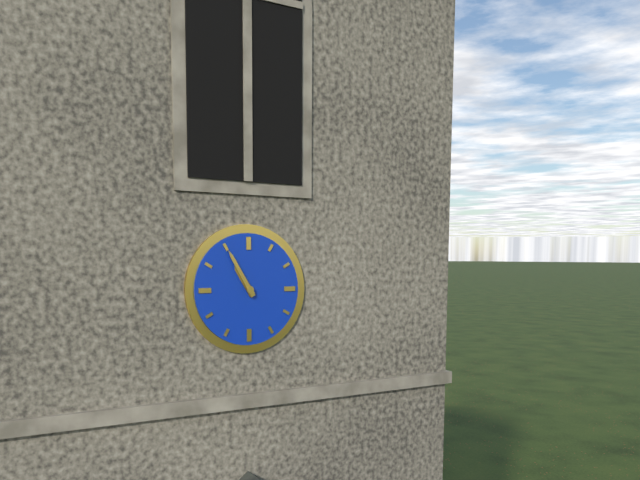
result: 10 h 55 min
